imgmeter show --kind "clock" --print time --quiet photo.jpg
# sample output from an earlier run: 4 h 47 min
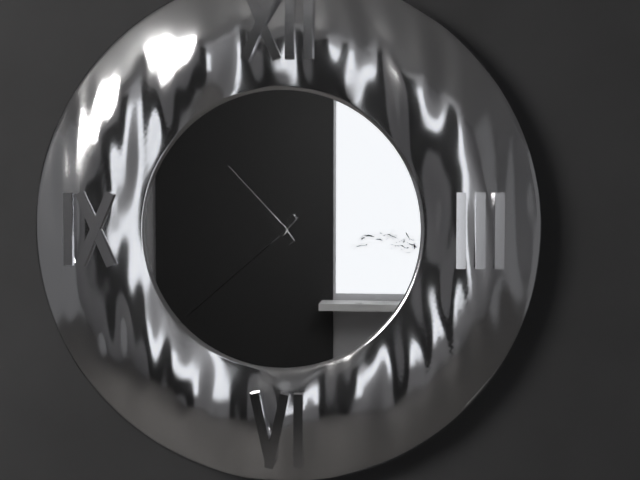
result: 10 h 38 min
